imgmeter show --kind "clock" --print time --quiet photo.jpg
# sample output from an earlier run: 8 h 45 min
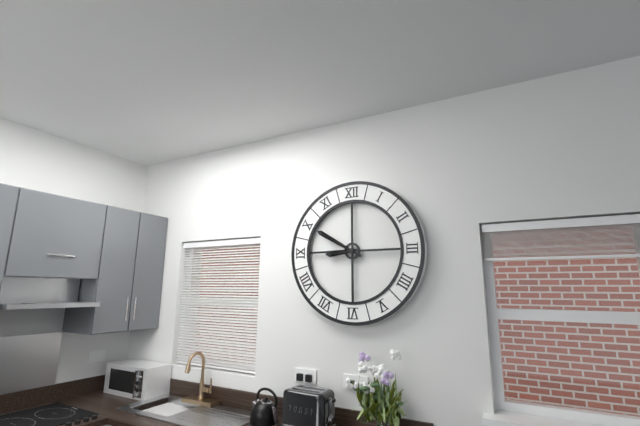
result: 8 h 50 min
